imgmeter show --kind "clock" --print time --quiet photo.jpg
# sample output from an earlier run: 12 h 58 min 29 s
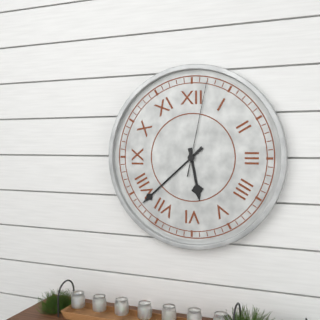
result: 5 h 38 min 02 s
